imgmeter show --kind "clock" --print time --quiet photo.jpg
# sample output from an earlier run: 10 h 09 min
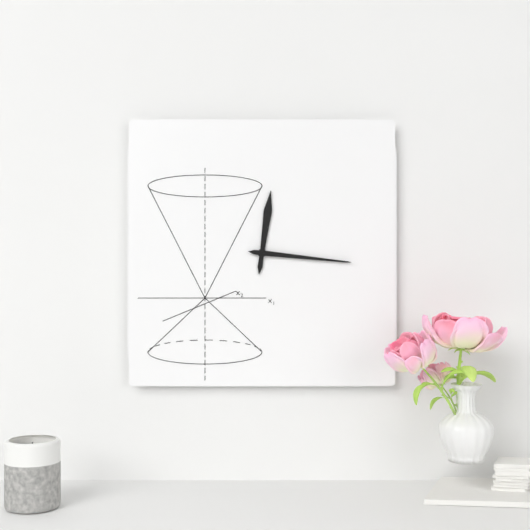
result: 12 h 16 min
